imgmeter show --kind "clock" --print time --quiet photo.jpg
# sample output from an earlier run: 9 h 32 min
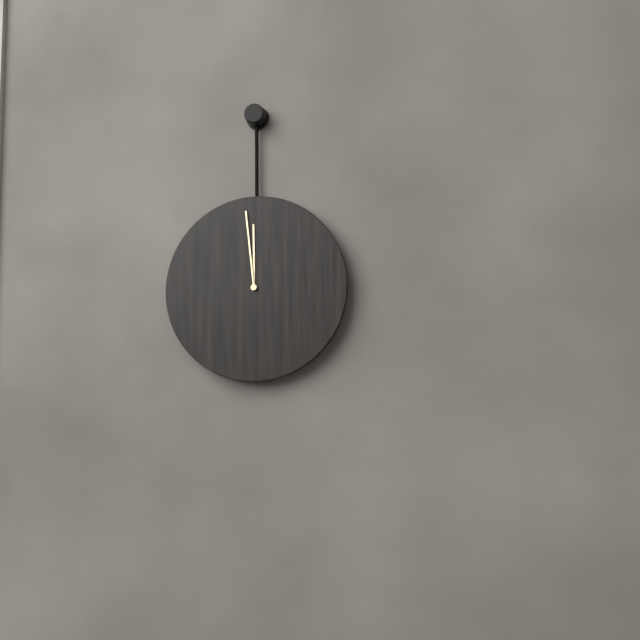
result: 11 h 59 min
